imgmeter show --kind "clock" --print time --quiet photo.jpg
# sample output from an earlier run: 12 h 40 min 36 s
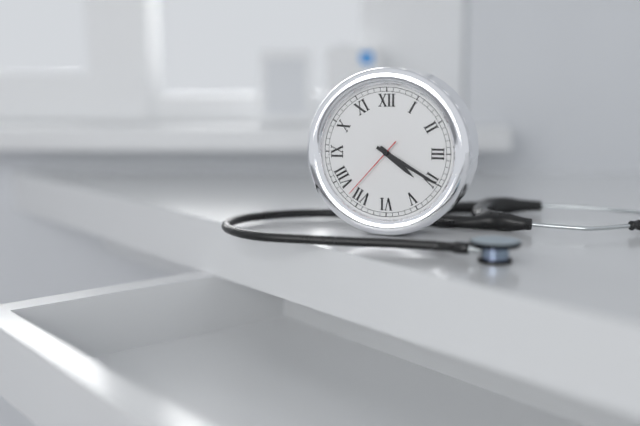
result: 4 h 20 min 37 s
